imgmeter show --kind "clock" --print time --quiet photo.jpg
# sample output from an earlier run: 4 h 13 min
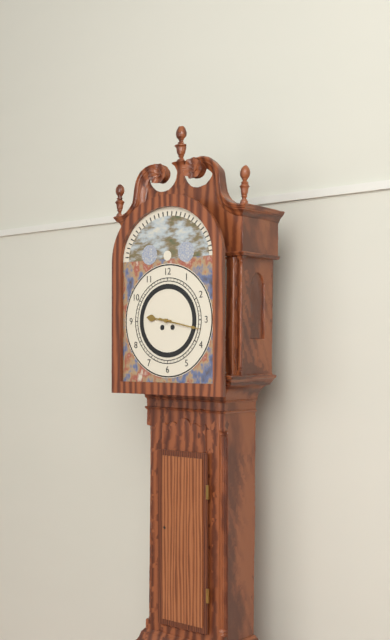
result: 9 h 17 min
